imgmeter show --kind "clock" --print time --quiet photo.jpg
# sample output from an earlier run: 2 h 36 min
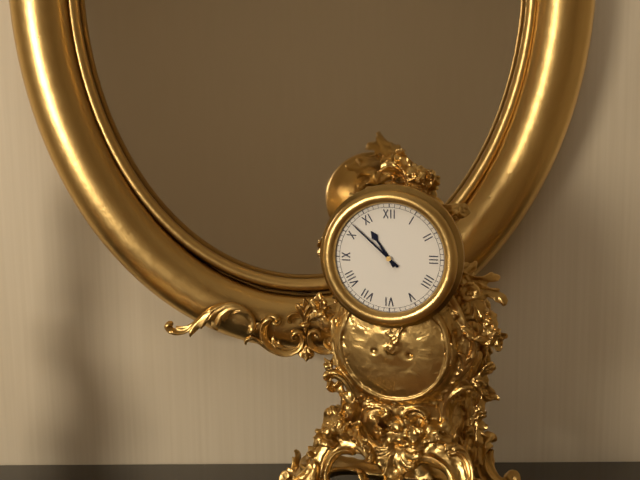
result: 10 h 52 min
